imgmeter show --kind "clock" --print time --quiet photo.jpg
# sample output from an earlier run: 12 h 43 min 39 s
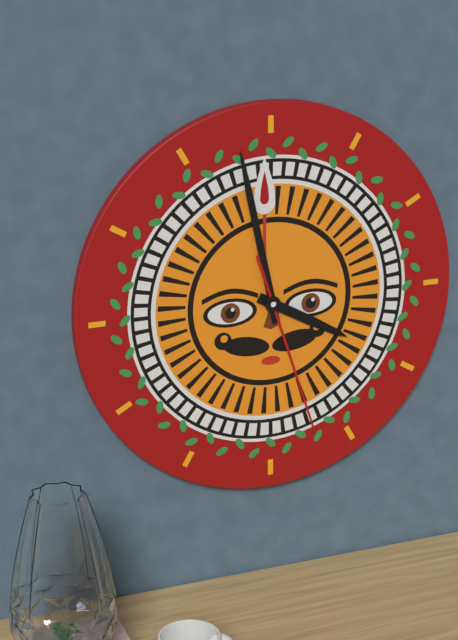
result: 3 h 58 min 27 s
